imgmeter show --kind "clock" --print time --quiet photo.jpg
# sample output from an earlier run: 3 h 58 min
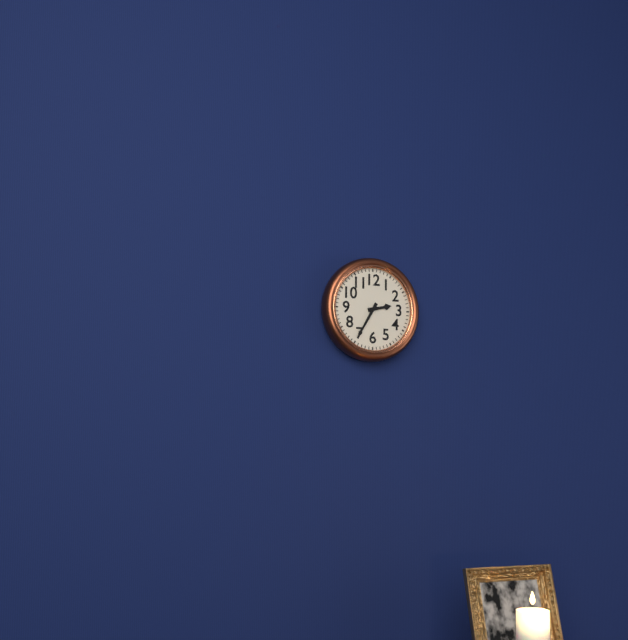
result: 2 h 35 min
